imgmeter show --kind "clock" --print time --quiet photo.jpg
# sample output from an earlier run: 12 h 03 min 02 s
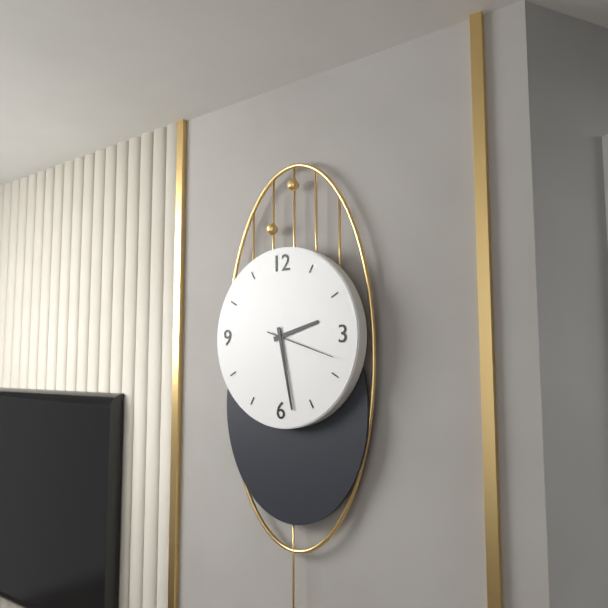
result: 2 h 28 min 18 s
